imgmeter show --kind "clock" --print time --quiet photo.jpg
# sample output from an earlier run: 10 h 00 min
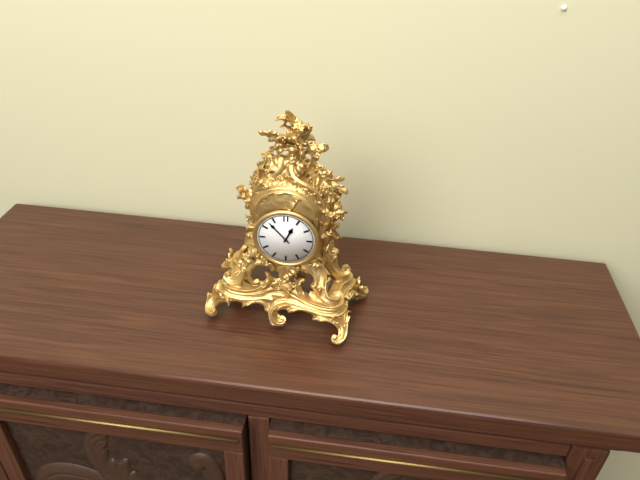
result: 12 h 53 min
